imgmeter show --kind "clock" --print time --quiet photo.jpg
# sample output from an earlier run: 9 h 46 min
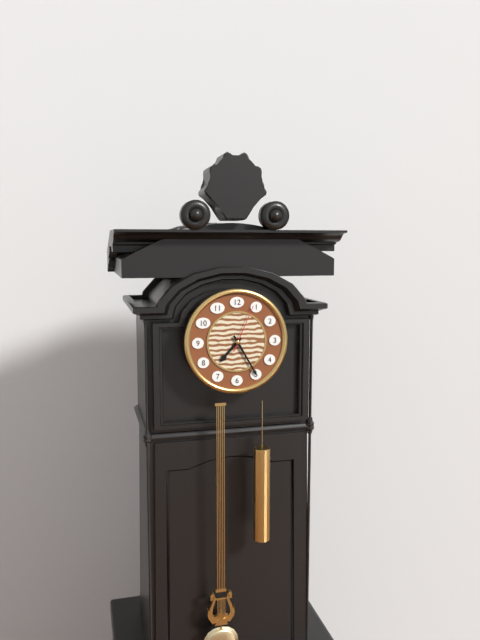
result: 7 h 25 min
